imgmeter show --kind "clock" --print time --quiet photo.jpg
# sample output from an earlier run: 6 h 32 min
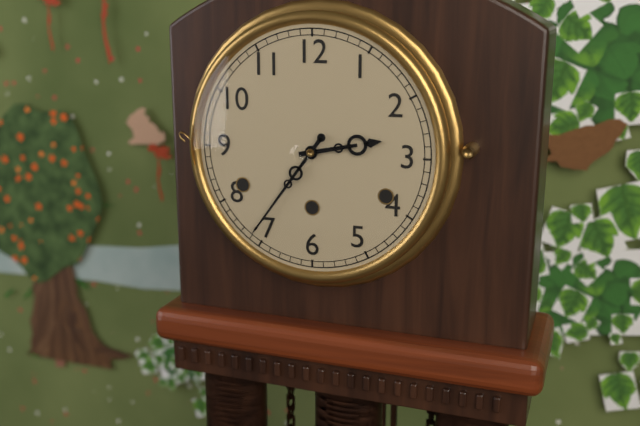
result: 2 h 36 min
